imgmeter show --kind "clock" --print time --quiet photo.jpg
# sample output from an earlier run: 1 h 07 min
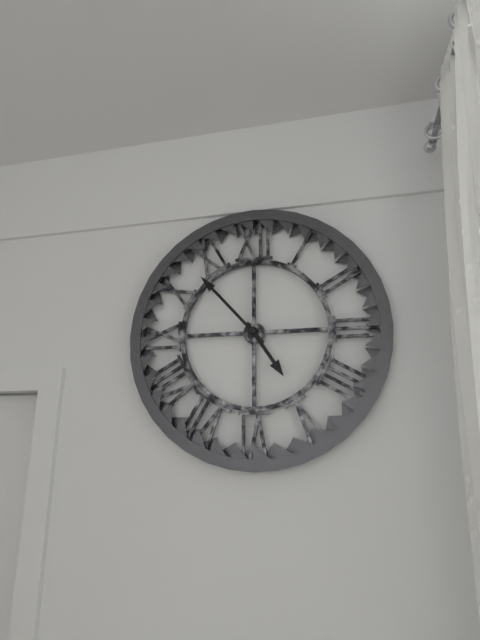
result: 4 h 53 min
